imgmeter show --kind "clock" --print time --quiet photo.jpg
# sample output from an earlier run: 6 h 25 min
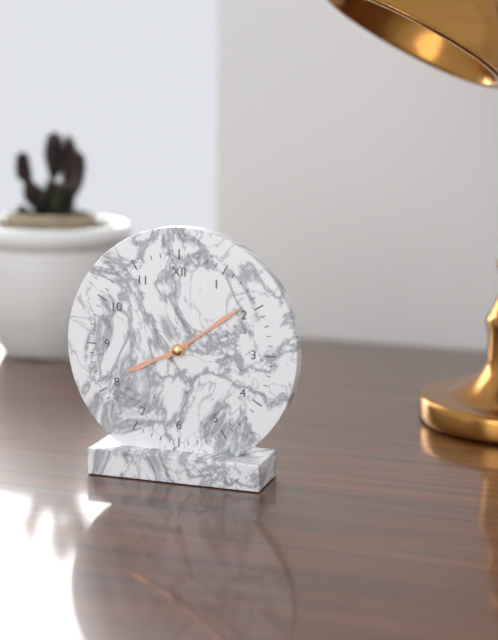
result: 8 h 09 min
